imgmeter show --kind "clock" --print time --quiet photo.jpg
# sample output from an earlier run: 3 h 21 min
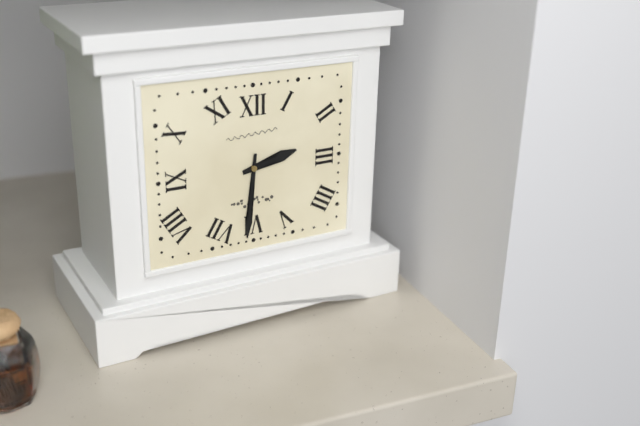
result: 2 h 31 min
